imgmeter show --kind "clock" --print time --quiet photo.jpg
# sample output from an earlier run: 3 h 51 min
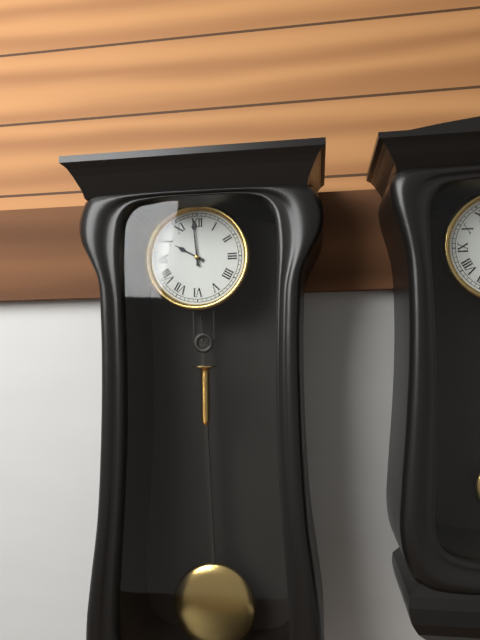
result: 9 h 59 min
